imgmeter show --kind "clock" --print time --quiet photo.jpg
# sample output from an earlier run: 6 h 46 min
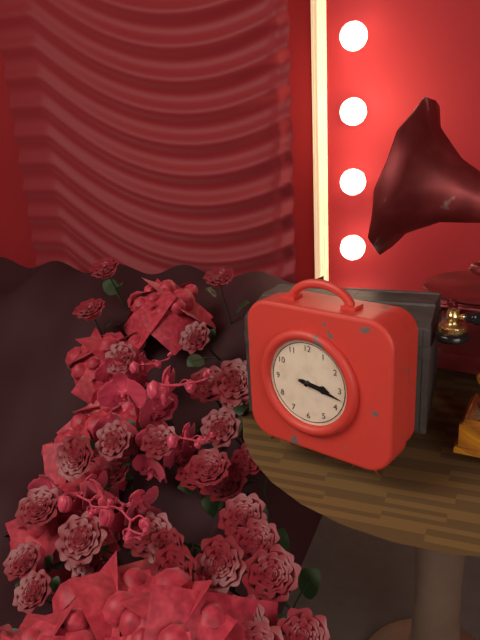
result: 3 h 17 min
